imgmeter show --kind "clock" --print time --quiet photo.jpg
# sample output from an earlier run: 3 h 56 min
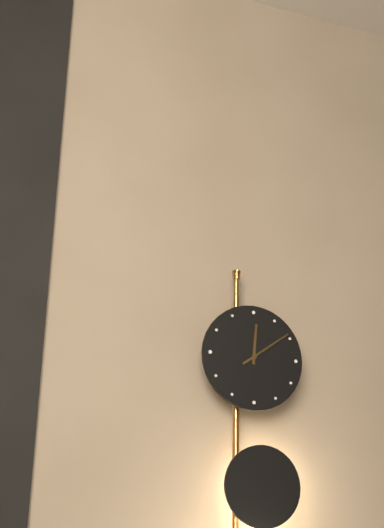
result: 12 h 09 min
